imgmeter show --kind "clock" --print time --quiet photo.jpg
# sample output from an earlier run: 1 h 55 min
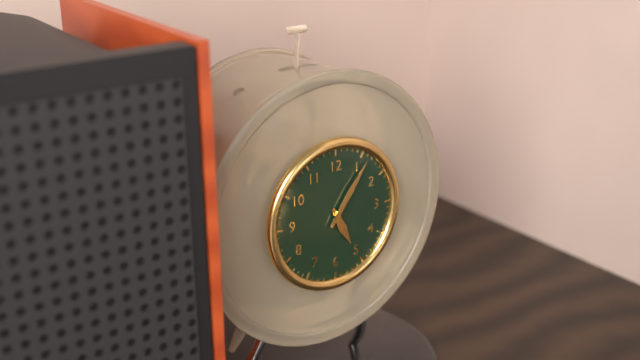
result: 5 h 06 min
